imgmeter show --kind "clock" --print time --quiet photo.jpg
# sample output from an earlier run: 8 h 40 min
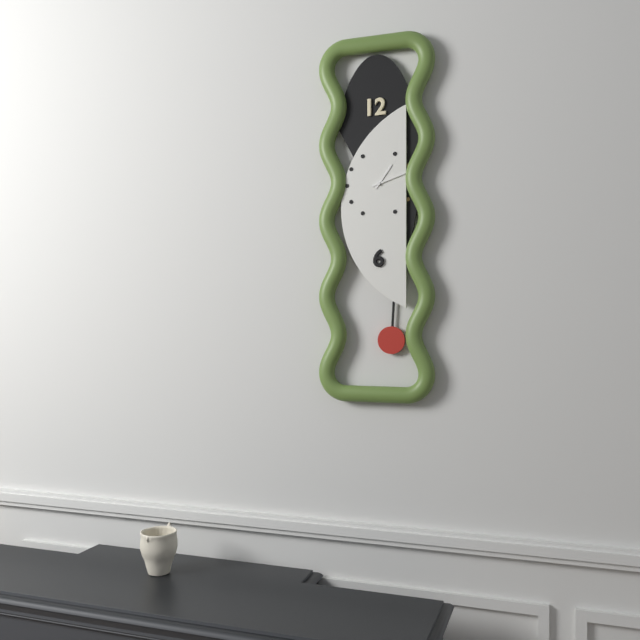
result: 1 h 12 min
